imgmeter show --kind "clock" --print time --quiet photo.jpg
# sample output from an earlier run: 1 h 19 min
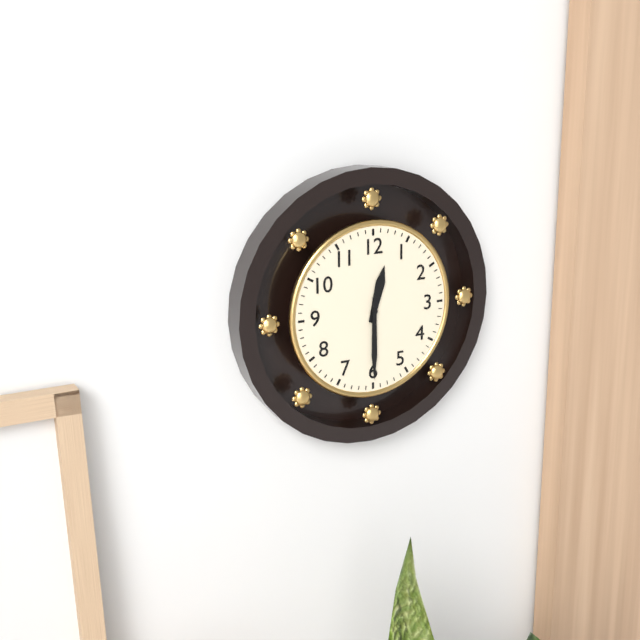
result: 12 h 30 min
